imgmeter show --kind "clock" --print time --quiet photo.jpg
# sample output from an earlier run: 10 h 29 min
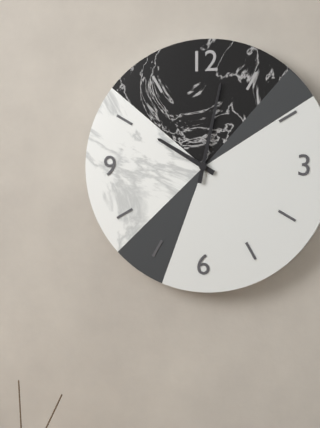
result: 10 h 02 min
